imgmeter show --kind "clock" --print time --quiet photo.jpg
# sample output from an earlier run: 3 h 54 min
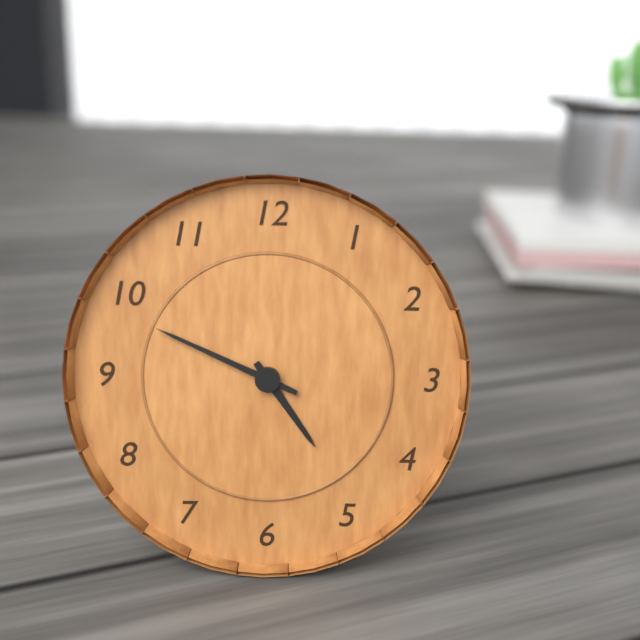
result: 4 h 49 min
